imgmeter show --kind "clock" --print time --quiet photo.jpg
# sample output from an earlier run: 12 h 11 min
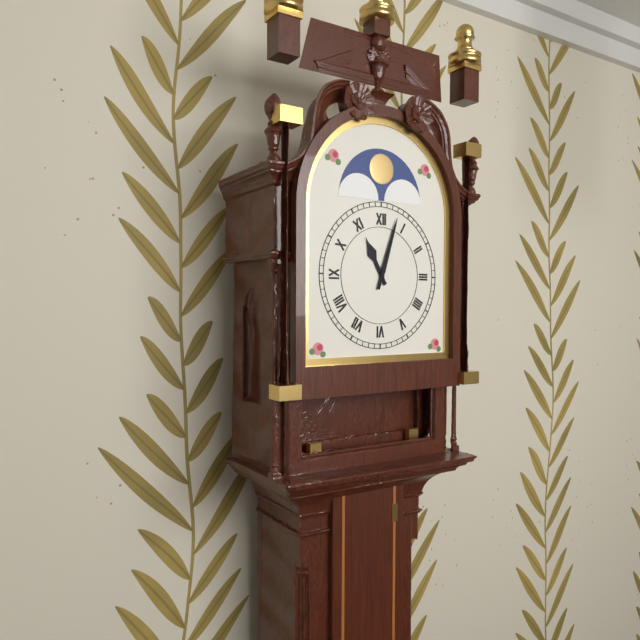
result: 11 h 03 min
